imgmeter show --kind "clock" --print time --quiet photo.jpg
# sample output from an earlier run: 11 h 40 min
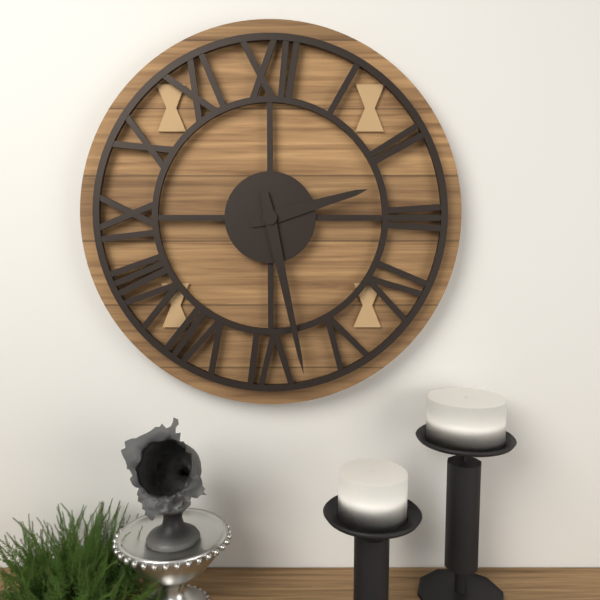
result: 2 h 28 min
